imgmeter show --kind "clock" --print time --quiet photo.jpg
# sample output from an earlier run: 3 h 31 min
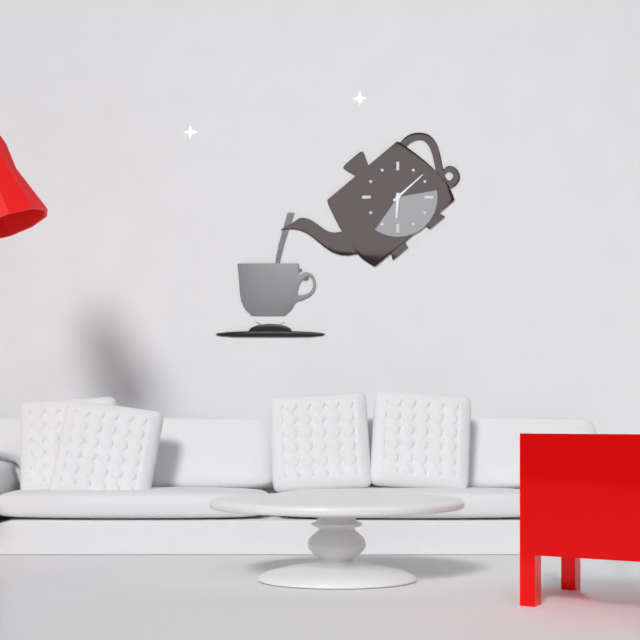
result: 6 h 08 min
